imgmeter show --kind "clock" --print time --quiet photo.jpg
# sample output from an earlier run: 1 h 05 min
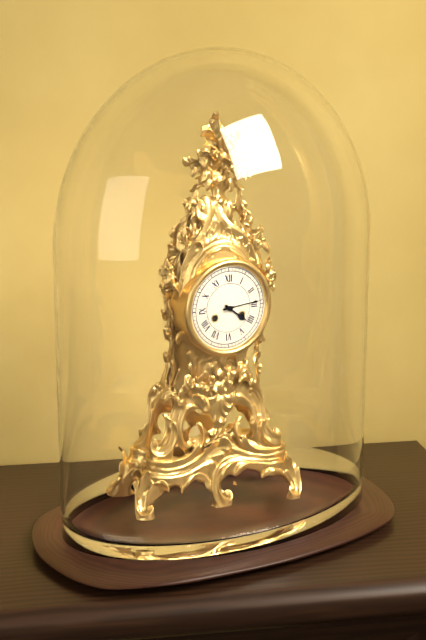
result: 4 h 14 min
